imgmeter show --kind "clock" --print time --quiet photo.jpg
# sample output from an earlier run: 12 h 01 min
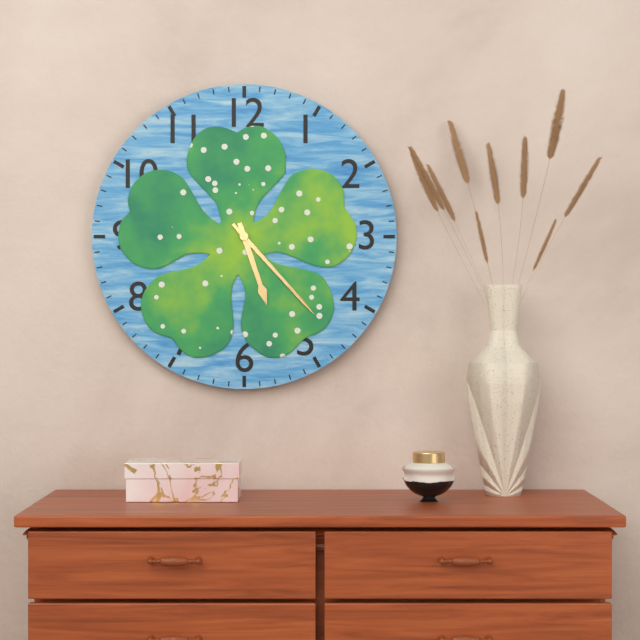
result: 5 h 23 min
